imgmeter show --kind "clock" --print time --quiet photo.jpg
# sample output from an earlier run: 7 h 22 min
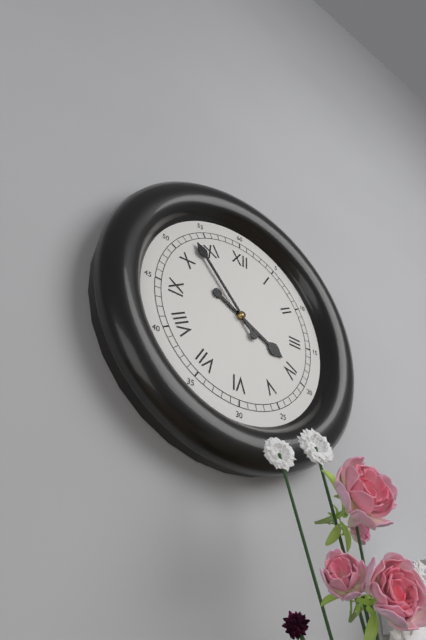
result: 3 h 53 min
